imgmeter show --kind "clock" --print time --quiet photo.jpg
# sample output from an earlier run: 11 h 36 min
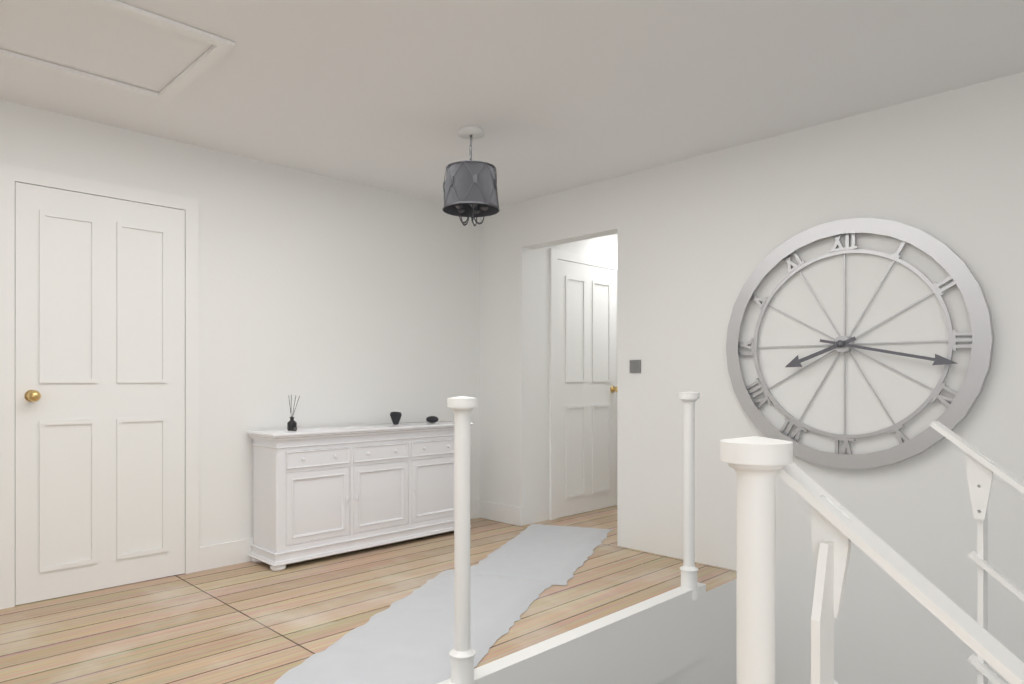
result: 8 h 17 min
